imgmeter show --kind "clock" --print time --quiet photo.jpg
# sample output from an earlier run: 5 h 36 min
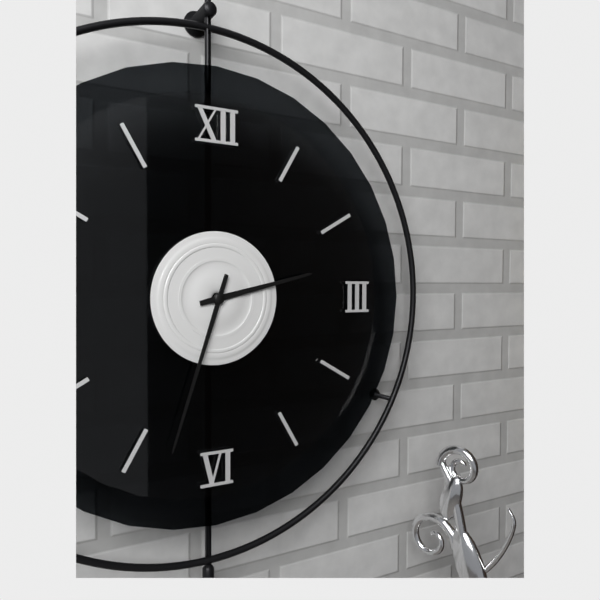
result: 2 h 33 min
